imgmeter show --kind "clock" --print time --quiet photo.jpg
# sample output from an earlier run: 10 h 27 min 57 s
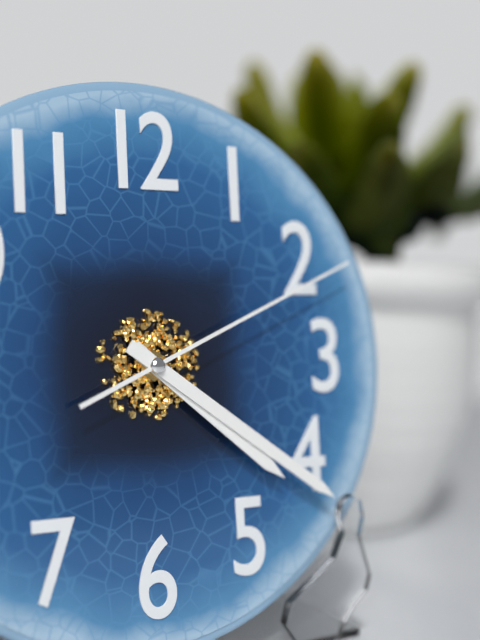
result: 4 h 21 min 11 s
